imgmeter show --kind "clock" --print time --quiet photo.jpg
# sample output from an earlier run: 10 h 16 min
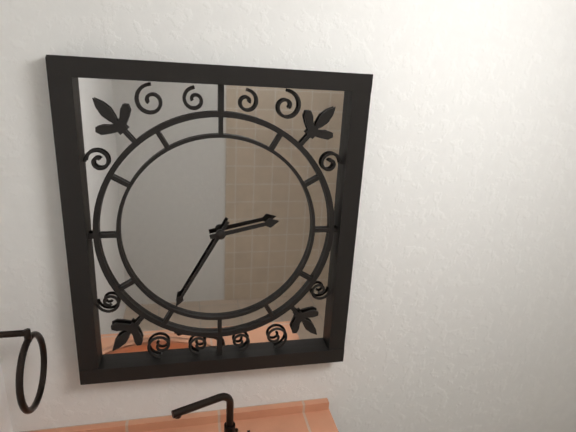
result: 2 h 35 min
